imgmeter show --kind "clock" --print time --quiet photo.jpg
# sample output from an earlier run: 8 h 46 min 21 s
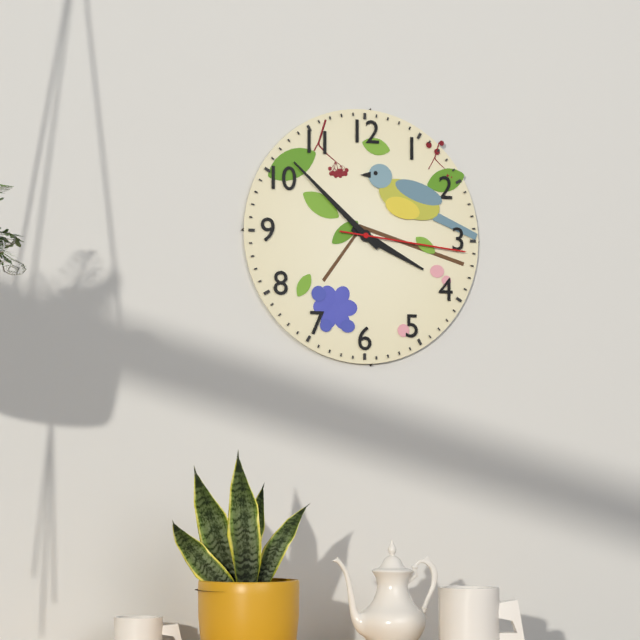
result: 3 h 52 min 16 s
